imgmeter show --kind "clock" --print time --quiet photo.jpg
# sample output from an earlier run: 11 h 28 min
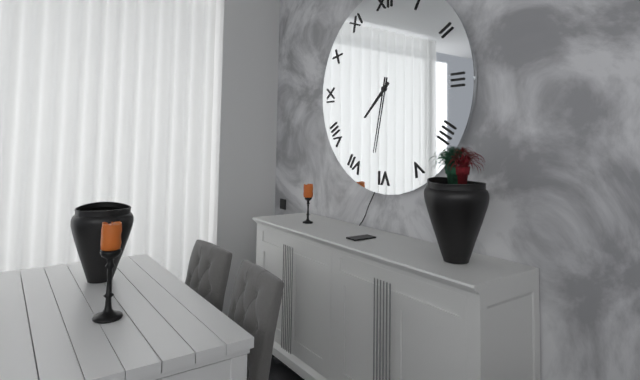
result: 7 h 32 min
